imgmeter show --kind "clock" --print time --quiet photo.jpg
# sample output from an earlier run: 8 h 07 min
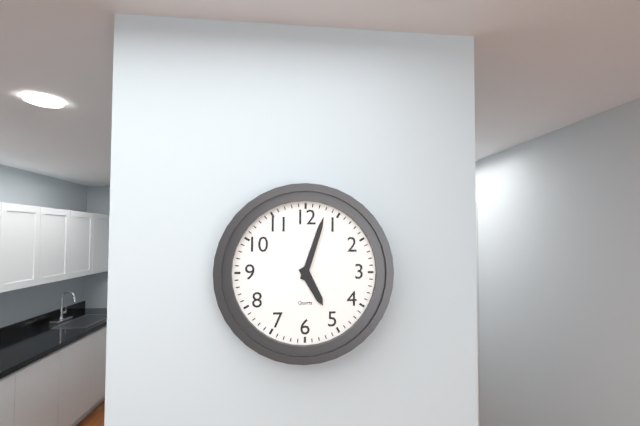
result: 5 h 03 min
